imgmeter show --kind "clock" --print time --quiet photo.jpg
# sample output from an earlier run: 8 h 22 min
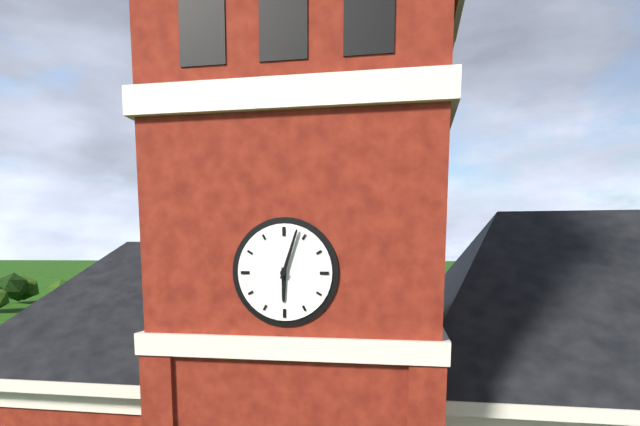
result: 6 h 03 min
